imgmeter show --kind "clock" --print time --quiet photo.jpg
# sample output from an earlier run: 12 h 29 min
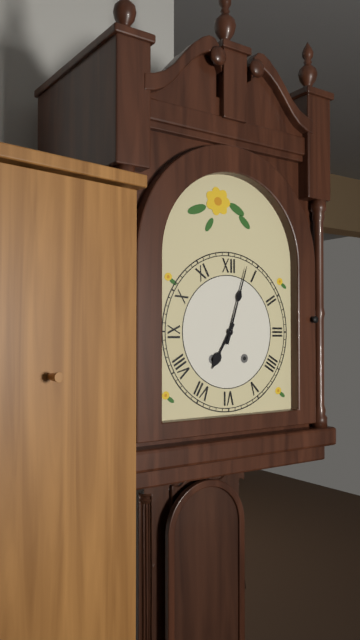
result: 7 h 03 min
